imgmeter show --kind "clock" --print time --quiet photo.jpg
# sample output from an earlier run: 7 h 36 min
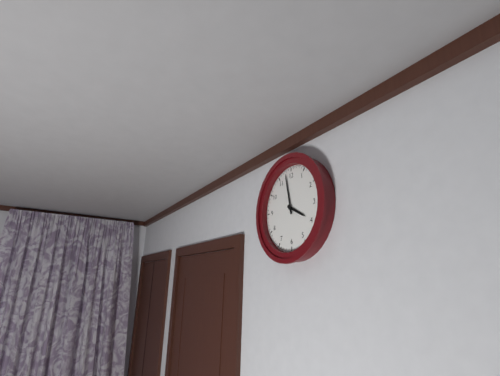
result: 3 h 58 min
